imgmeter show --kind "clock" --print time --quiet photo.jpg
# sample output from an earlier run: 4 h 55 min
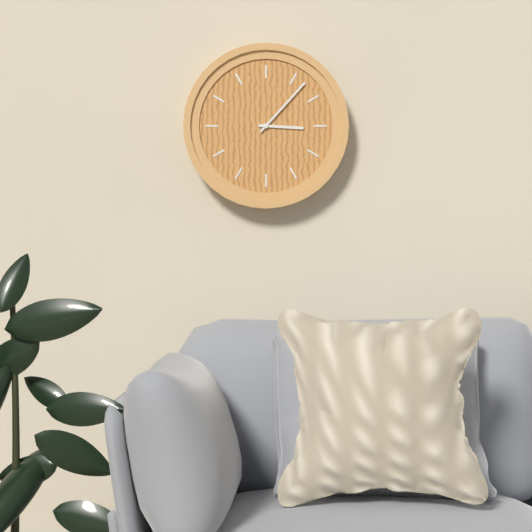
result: 3 h 07 min
